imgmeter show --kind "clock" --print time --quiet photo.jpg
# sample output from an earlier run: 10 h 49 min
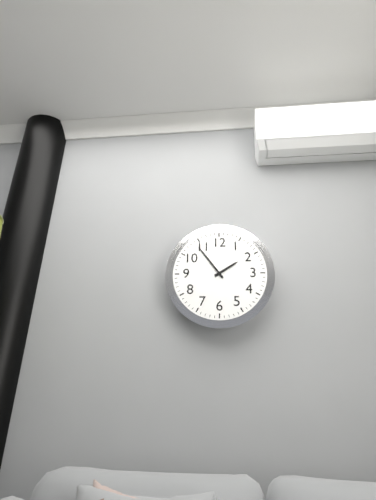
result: 1 h 54 min
